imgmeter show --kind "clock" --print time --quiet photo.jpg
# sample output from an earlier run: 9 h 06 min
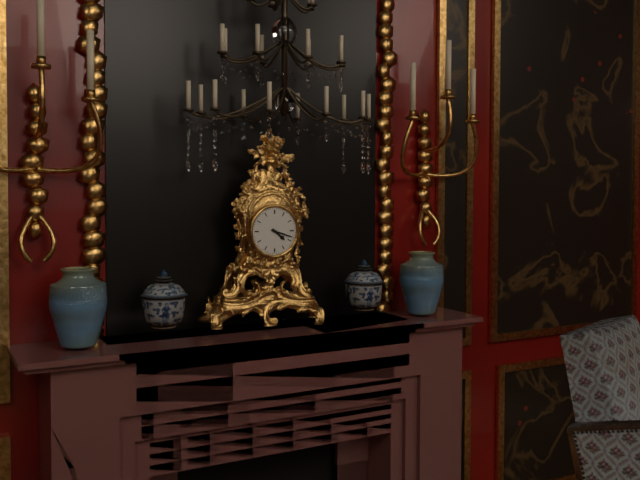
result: 4 h 18 min
